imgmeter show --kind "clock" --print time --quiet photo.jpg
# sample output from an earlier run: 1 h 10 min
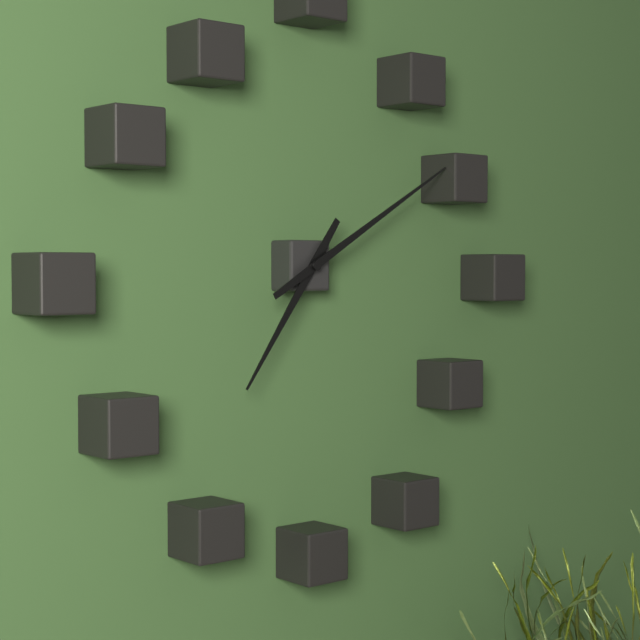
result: 7 h 10 min
